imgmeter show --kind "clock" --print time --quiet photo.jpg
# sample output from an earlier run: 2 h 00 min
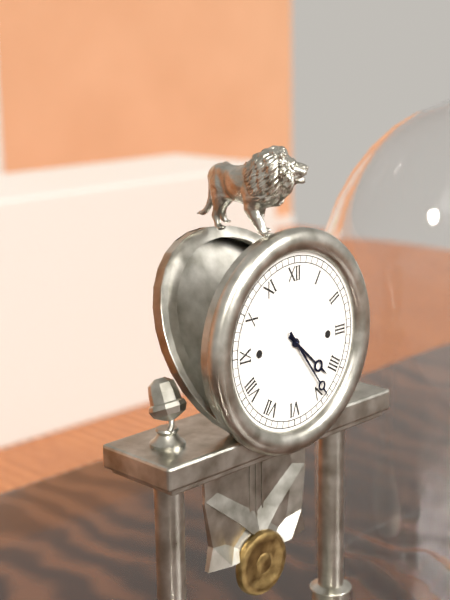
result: 4 h 24 min
